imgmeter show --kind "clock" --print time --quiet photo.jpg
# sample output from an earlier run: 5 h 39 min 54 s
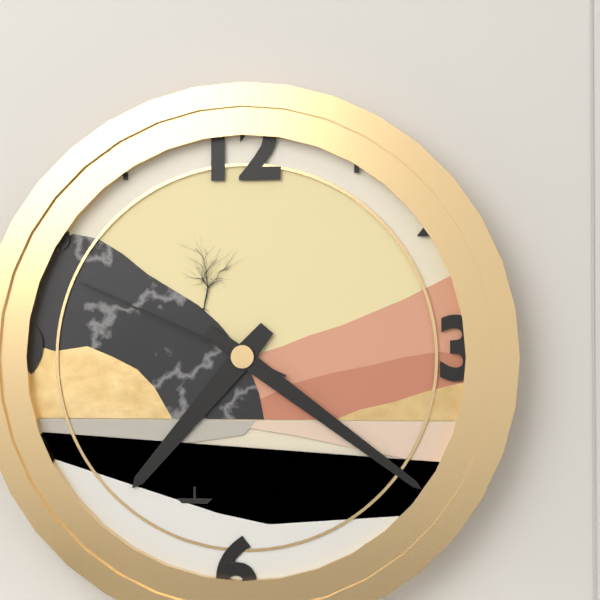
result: 7 h 21 min 49 s
